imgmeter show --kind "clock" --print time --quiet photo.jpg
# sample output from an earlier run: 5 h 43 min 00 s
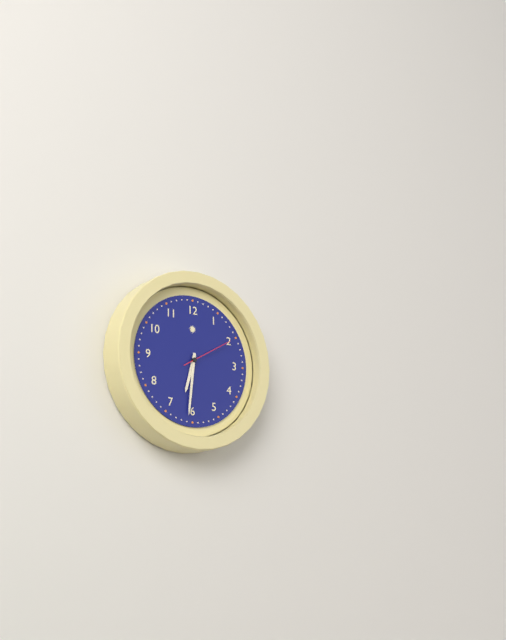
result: 6 h 31 min 10 s
